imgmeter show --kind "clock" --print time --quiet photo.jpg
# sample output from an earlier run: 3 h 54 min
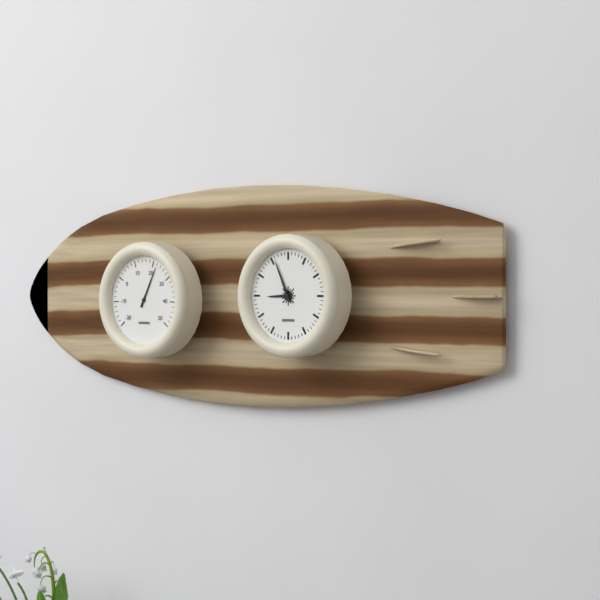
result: 8 h 56 min
